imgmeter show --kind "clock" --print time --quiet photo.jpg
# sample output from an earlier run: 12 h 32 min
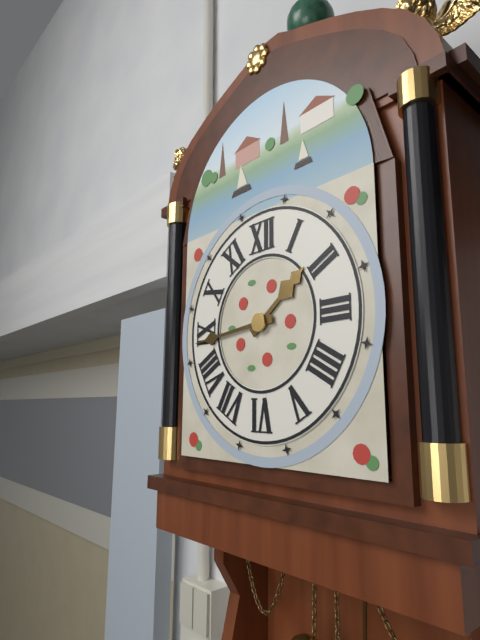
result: 1 h 44 min
